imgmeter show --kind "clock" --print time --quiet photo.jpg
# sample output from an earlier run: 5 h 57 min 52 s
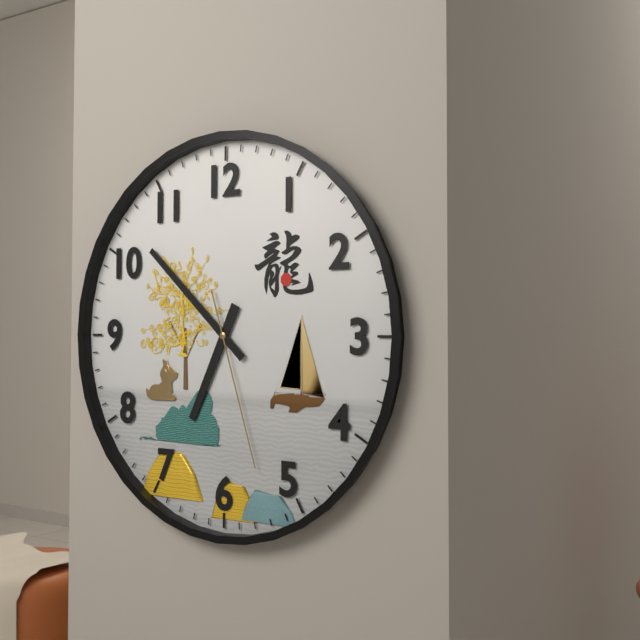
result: 6 h 52 min 27 s
